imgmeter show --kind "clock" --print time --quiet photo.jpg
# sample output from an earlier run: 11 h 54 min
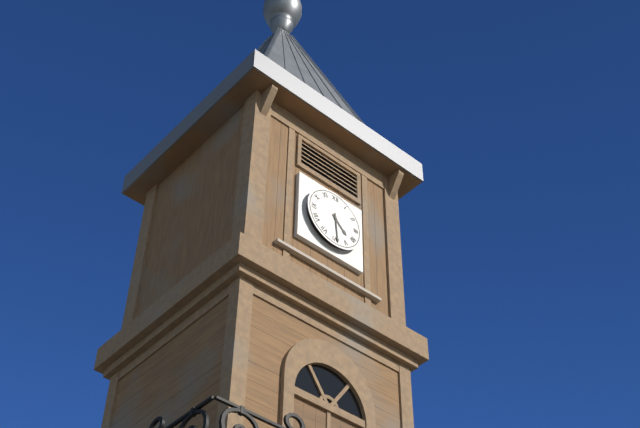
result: 4 h 29 min
